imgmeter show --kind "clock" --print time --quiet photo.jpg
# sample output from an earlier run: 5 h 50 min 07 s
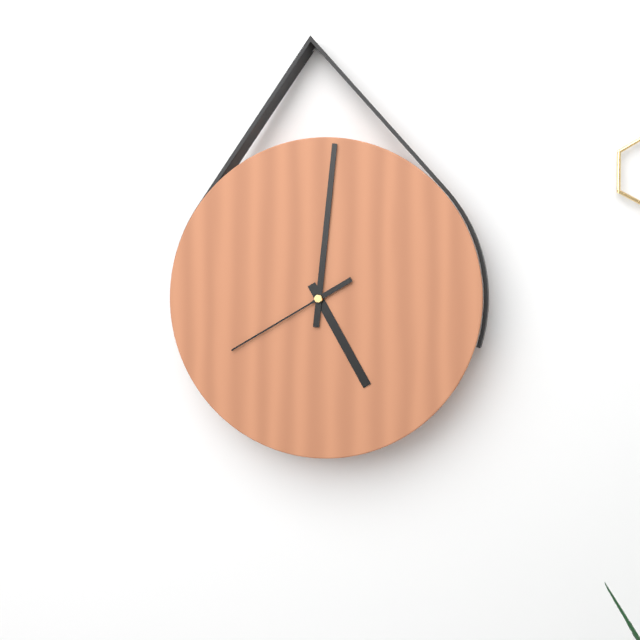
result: 5 h 01 min 40 s
